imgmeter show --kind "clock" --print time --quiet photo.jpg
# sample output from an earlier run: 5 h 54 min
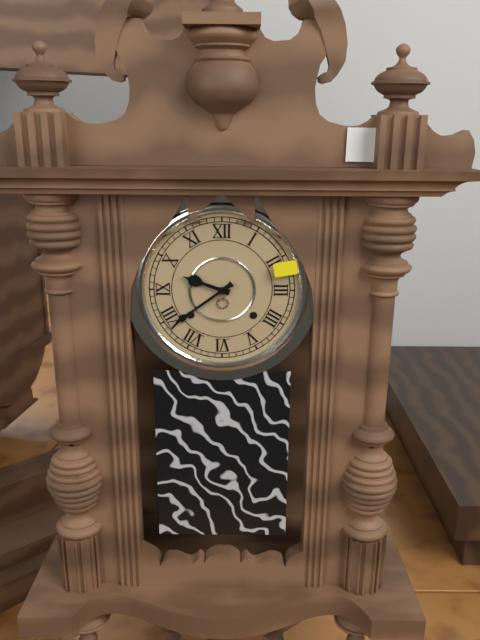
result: 9 h 39 min
